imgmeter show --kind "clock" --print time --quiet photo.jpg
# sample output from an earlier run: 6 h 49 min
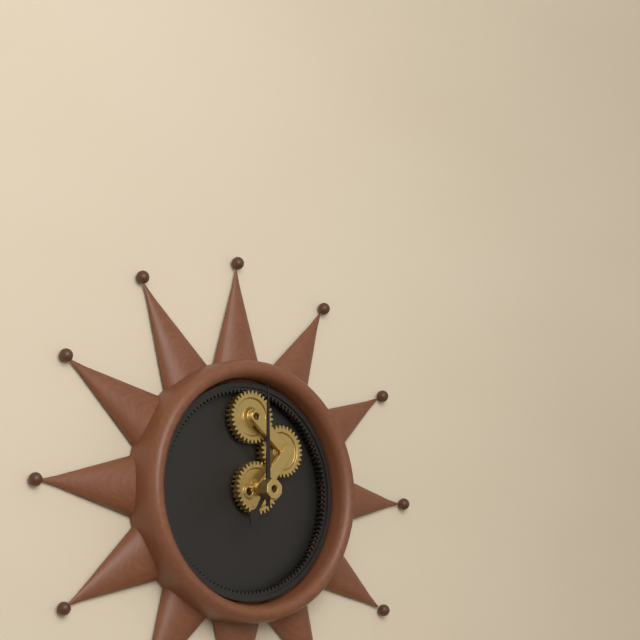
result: 7 h 00 min
